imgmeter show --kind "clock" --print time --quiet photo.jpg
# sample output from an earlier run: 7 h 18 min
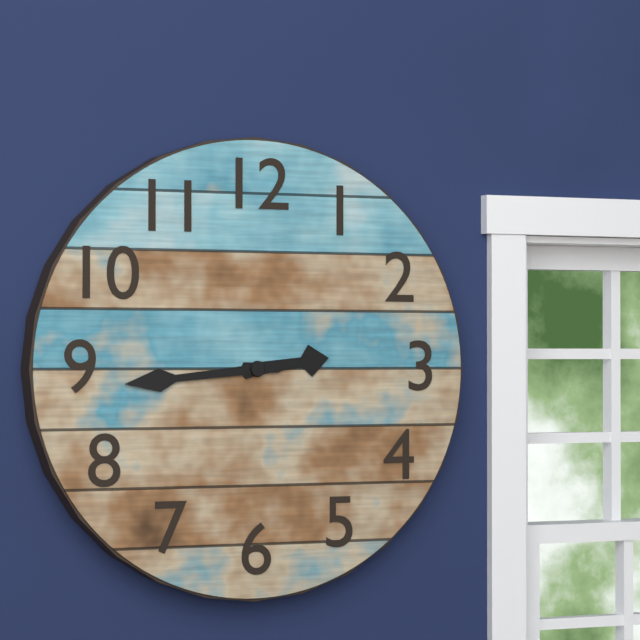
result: 2 h 44 min
